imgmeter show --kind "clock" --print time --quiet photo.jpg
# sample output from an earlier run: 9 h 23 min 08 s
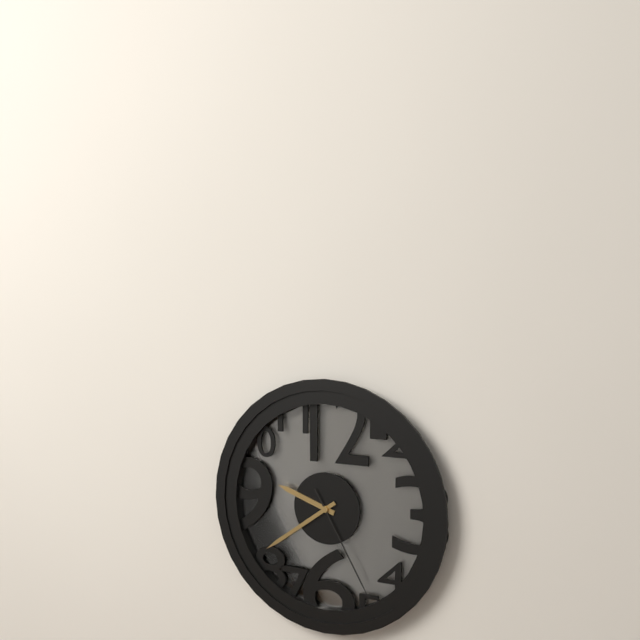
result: 9 h 39 min 25 s
